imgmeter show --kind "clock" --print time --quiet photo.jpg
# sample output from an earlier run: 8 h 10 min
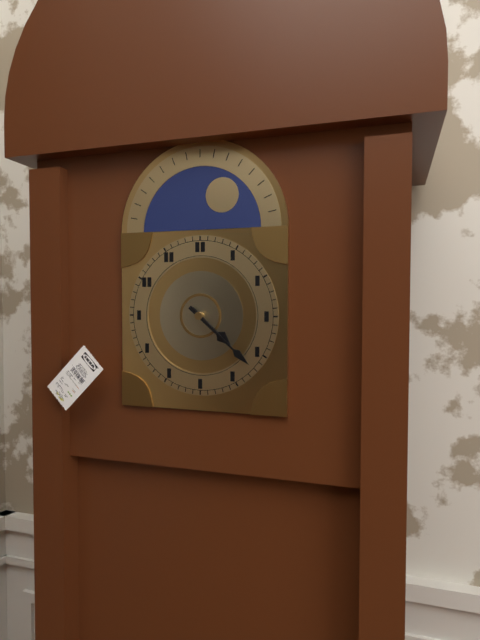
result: 4 h 22 min
